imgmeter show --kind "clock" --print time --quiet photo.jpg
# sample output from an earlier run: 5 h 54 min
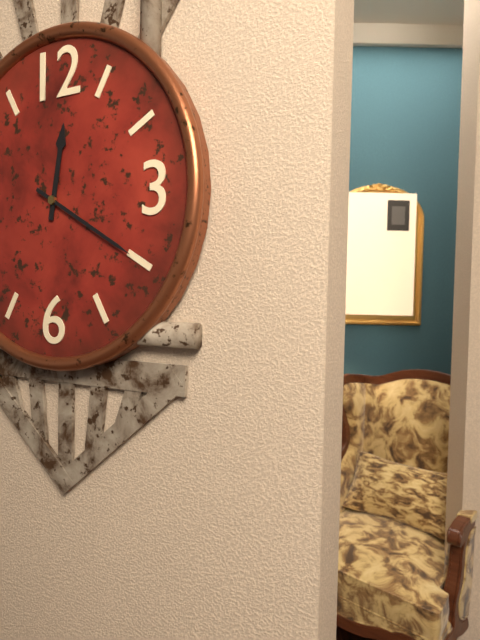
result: 12 h 20 min
